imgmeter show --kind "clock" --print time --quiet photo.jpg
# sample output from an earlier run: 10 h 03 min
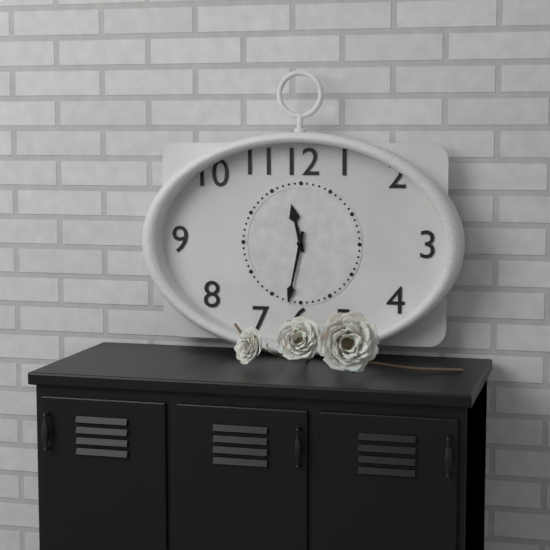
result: 11 h 32 min
